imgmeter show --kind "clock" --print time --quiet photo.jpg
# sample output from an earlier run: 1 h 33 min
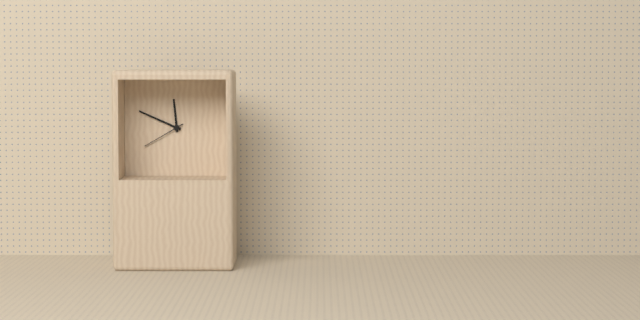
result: 11 h 49 min
